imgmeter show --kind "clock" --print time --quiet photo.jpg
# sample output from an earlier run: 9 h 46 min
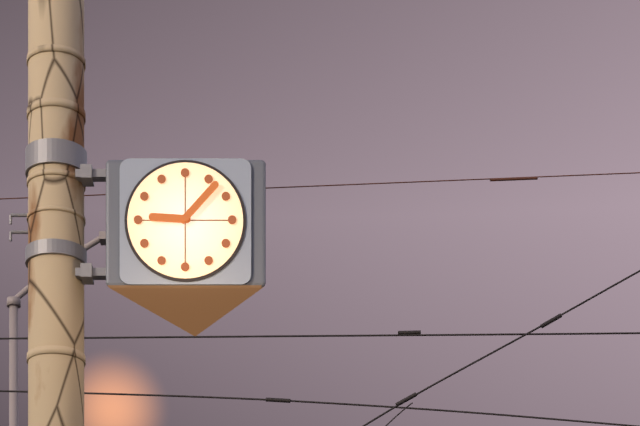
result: 9 h 07 min
